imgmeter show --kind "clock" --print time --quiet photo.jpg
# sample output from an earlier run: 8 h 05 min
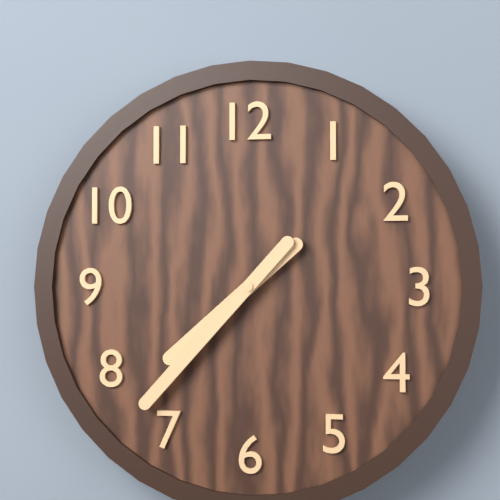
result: 7 h 37 min
